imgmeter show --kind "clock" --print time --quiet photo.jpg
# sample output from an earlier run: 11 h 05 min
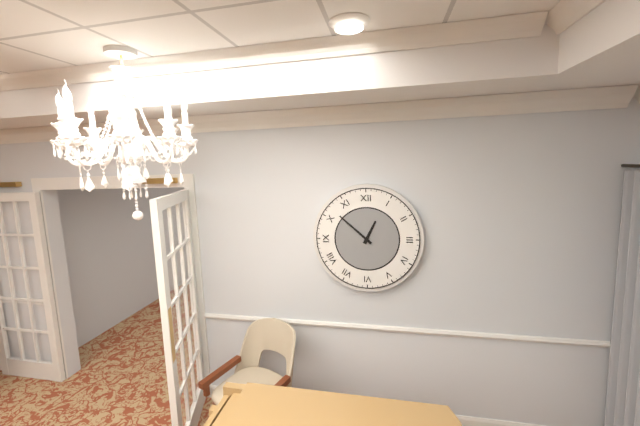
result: 12 h 52 min
